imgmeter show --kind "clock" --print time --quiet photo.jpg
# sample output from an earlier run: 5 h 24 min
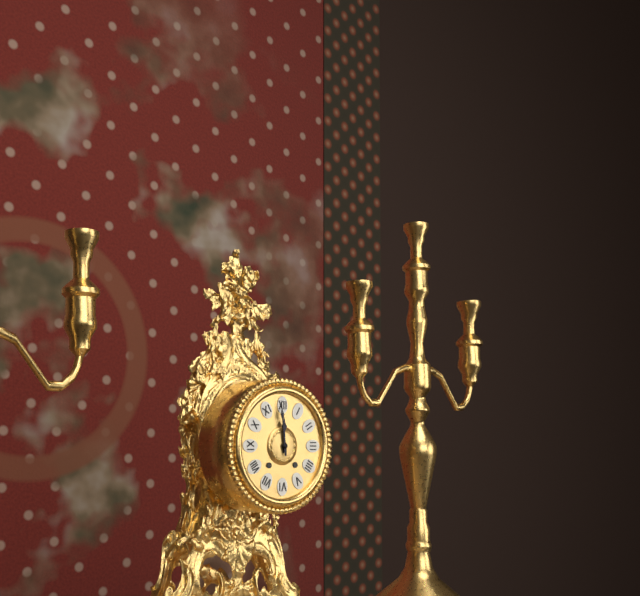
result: 11 h 59 min
